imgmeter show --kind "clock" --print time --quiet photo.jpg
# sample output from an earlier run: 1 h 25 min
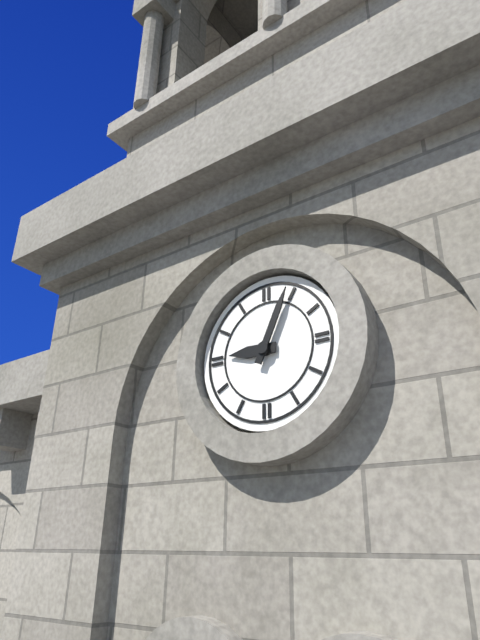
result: 9 h 04 min
